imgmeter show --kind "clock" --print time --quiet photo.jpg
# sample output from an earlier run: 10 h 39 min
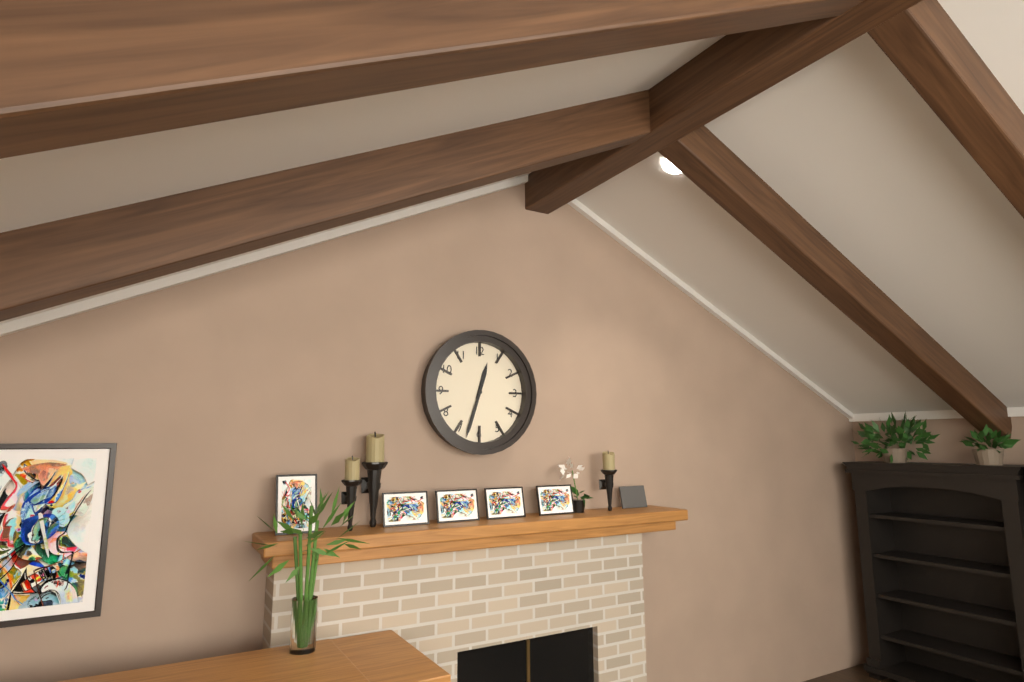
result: 12 h 33 min
